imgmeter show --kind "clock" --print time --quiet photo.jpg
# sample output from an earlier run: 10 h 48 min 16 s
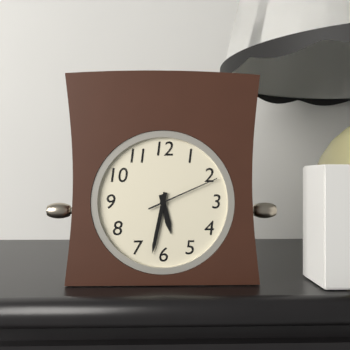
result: 5 h 32 min 11 s
